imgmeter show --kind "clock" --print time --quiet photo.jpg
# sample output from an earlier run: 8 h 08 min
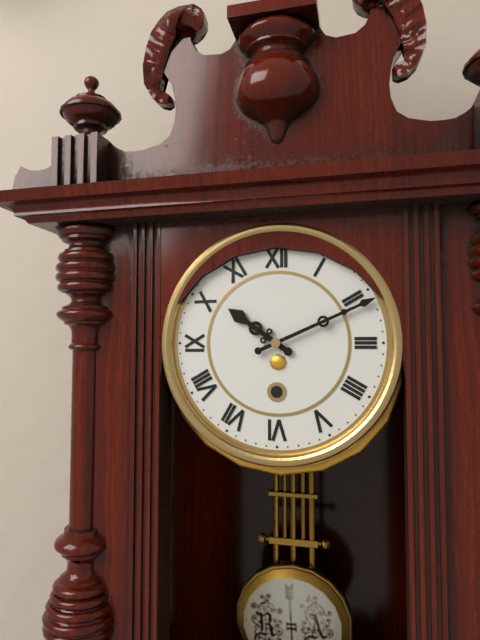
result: 10 h 11 min
